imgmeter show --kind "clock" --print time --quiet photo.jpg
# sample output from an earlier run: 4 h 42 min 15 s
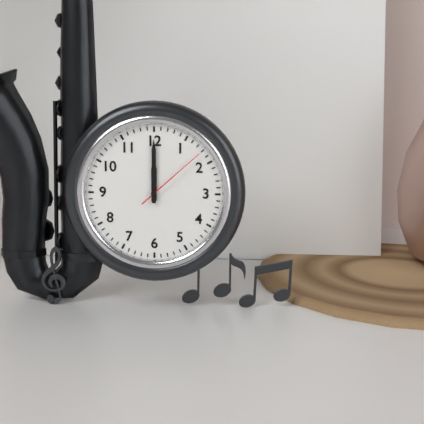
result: 12 h 00 min 08 s
